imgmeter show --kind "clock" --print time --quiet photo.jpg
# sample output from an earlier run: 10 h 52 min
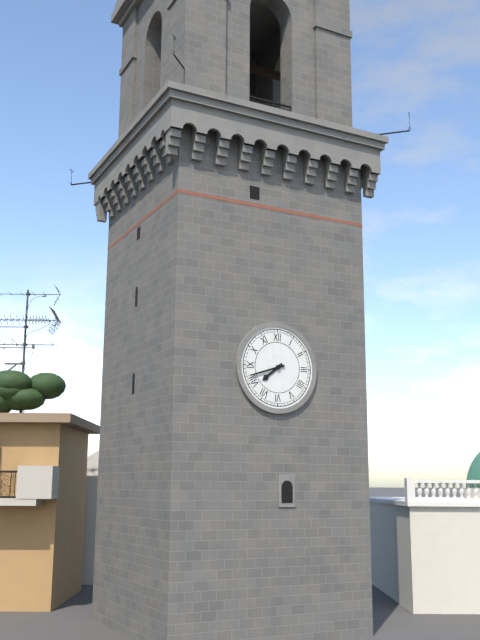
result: 7 h 42 min
